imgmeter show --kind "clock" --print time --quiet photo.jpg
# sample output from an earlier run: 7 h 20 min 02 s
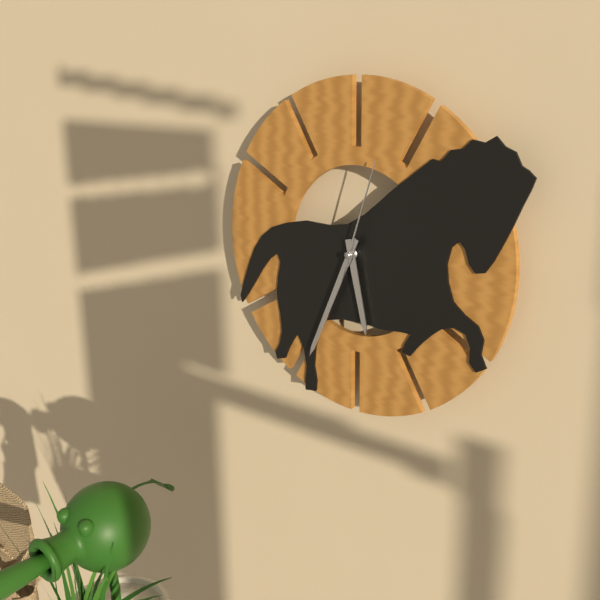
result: 5 h 34 min 03 s
